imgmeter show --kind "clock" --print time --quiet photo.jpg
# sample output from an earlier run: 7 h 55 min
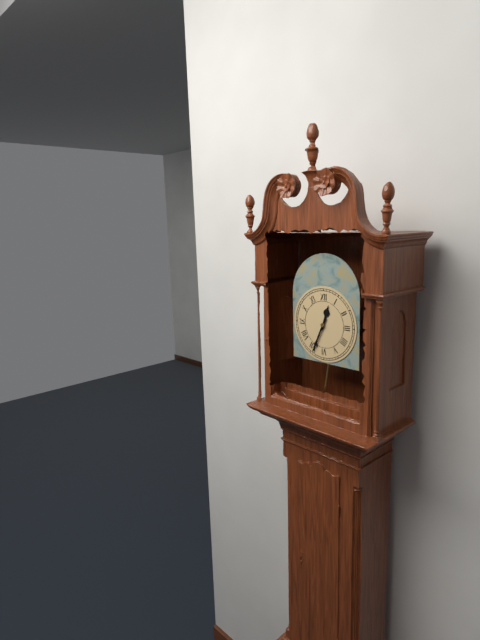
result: 12 h 34 min
